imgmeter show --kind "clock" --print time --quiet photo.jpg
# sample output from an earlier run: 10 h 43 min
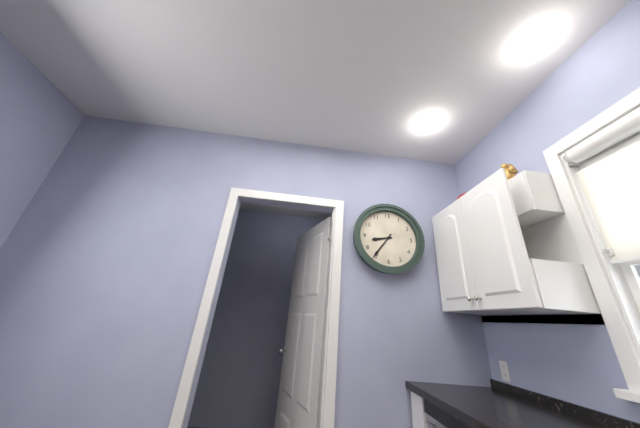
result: 8 h 36 min
